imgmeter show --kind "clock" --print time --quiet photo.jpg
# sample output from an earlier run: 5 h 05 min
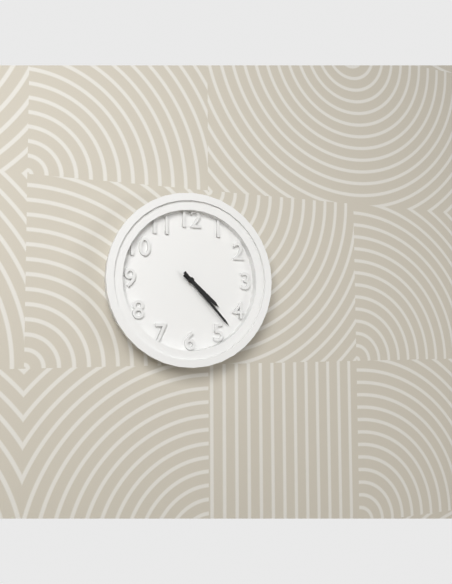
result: 4 h 23 min
